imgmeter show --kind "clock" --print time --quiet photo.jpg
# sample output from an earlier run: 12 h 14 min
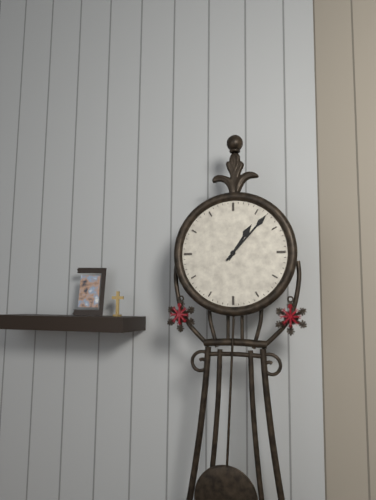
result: 1 h 07 min
